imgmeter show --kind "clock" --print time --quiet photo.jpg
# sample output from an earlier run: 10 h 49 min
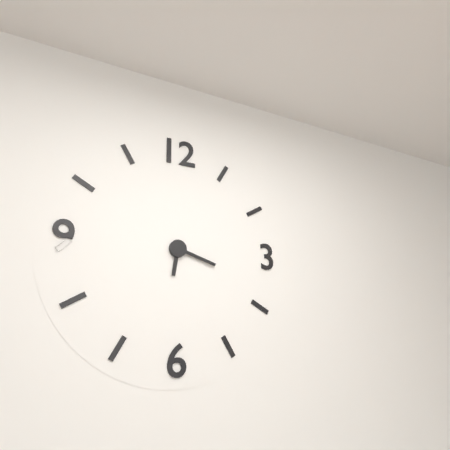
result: 6 h 18 min
